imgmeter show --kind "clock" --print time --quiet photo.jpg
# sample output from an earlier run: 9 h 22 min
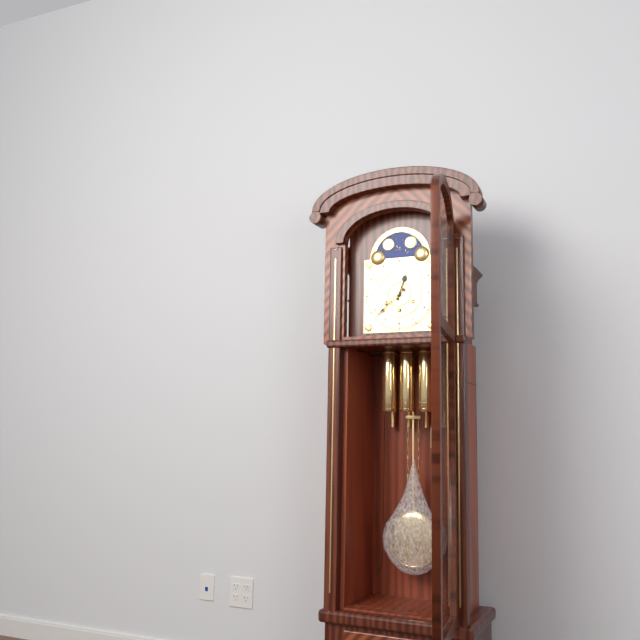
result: 12 h 38 min
